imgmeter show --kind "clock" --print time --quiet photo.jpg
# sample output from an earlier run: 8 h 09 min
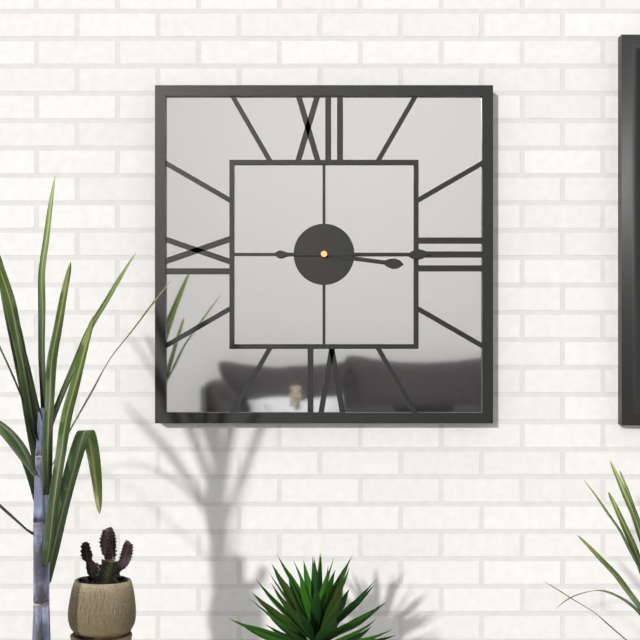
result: 3 h 15 min
